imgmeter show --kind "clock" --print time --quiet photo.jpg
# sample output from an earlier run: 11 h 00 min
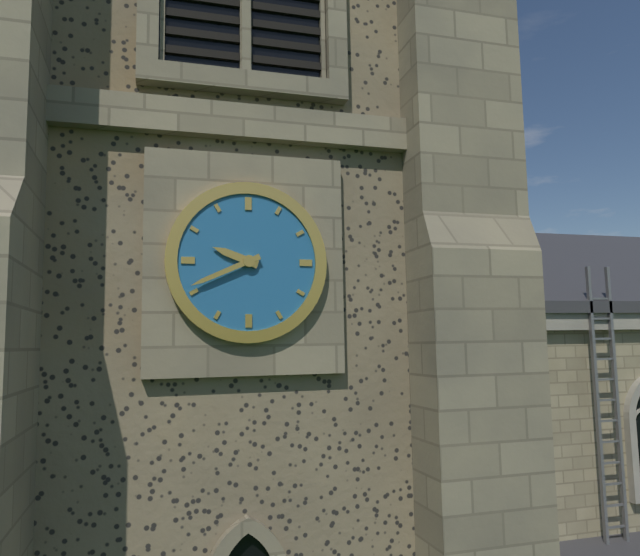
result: 9 h 41 min
